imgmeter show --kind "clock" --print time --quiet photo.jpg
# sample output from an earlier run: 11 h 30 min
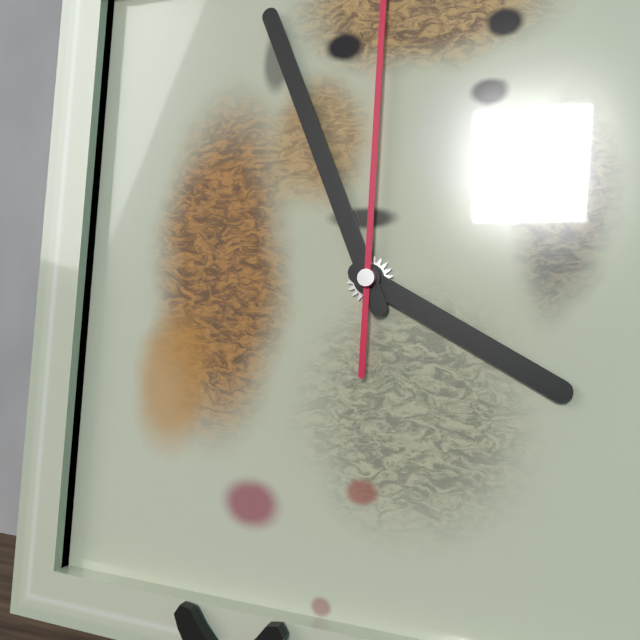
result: 3 h 56 min
